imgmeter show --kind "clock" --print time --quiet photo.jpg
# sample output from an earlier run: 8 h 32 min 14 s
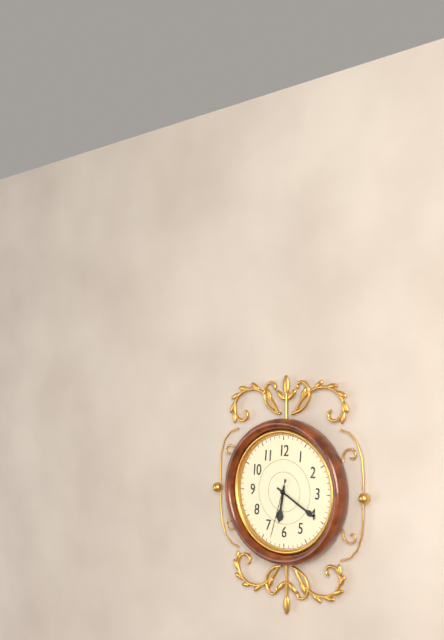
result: 6 h 20 min 33 s
